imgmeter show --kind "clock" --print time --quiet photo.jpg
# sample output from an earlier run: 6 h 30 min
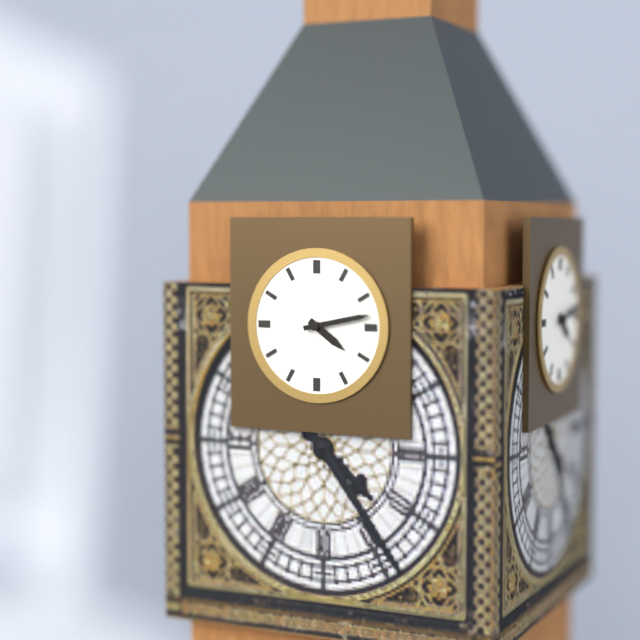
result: 4 h 13 min
